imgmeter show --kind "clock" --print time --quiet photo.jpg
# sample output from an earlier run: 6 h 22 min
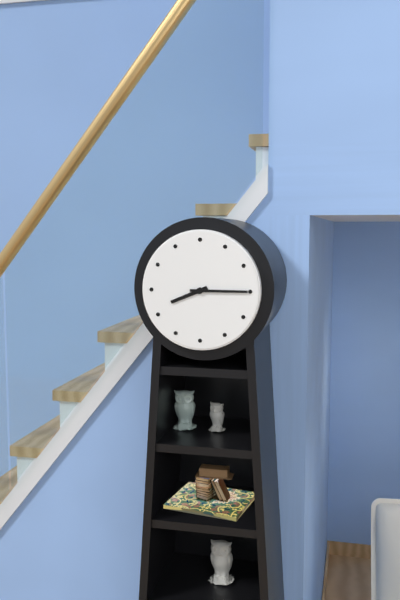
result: 8 h 15 min
